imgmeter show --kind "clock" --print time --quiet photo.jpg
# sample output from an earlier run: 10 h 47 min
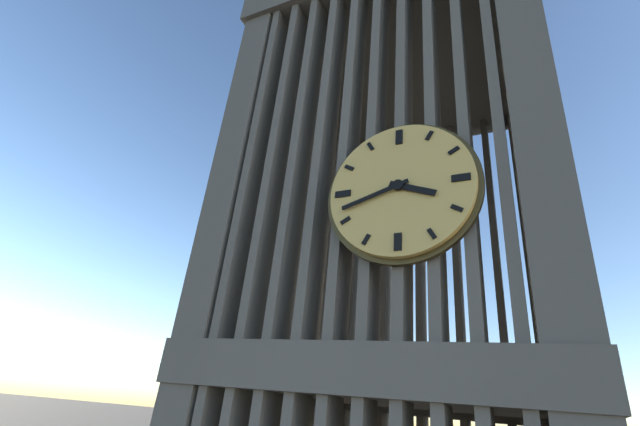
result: 3 h 42 min
